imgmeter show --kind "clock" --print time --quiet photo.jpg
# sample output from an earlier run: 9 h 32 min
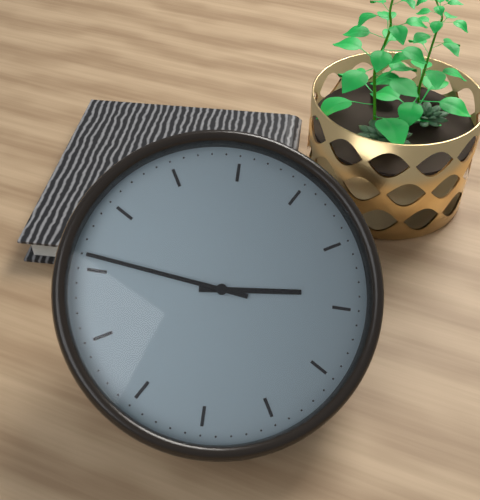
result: 2 h 46 min
